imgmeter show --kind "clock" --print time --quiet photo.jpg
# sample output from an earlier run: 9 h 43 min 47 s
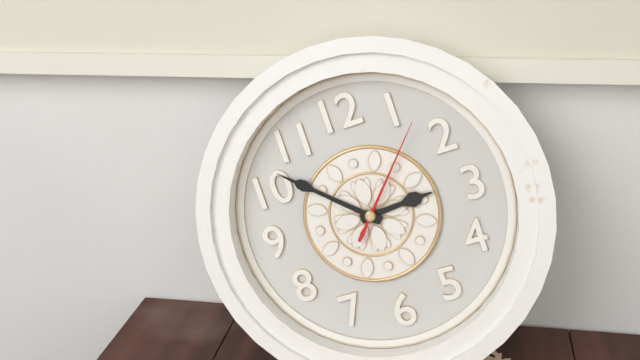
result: 2 h 52 min 07 s
